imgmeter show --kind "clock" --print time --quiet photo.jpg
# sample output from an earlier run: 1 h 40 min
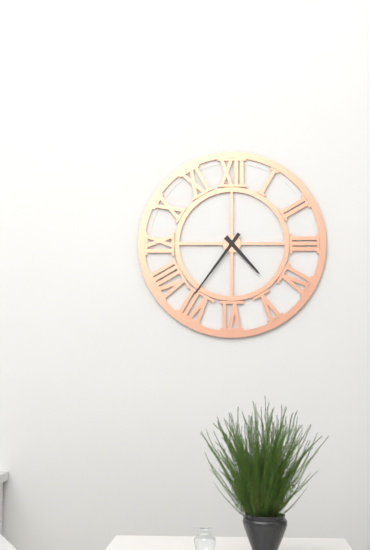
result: 4 h 36 min
